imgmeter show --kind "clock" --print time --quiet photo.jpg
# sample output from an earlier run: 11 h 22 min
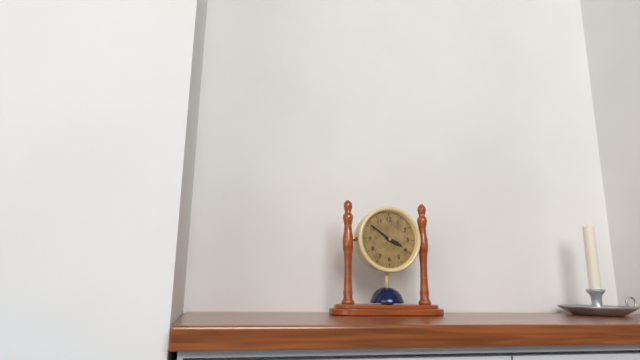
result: 3 h 51 min
